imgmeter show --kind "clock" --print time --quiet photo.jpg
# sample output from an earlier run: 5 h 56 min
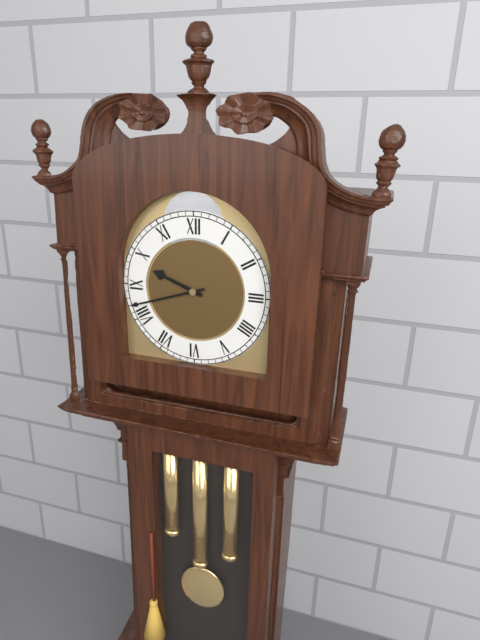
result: 9 h 42 min
